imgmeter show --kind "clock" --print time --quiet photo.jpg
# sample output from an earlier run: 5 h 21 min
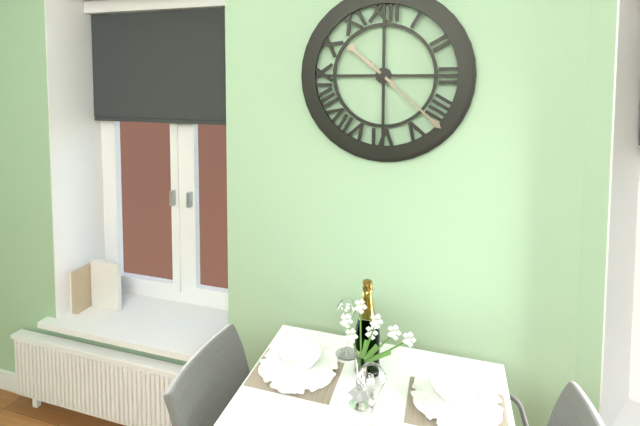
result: 10 h 22 min
